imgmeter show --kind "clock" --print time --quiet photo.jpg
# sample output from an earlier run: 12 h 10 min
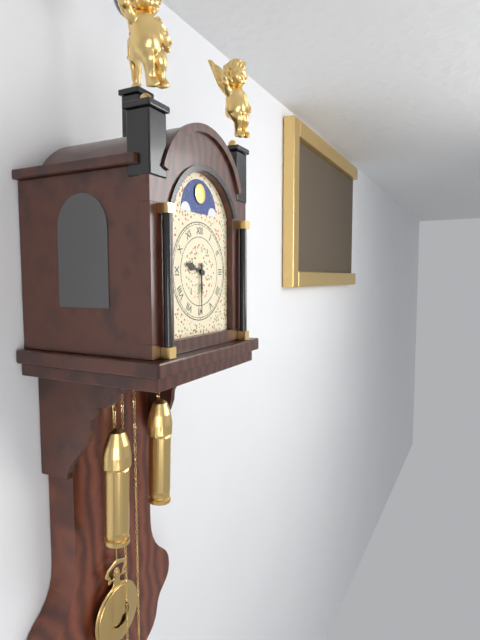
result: 9 h 30 min
